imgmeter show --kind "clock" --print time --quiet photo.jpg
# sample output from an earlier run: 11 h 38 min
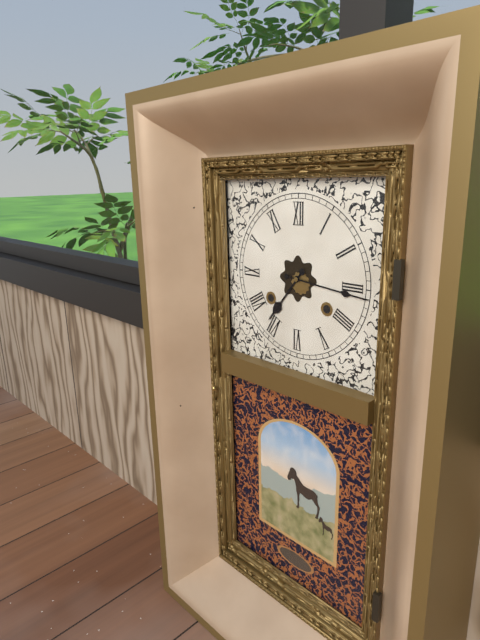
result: 7 h 16 min
